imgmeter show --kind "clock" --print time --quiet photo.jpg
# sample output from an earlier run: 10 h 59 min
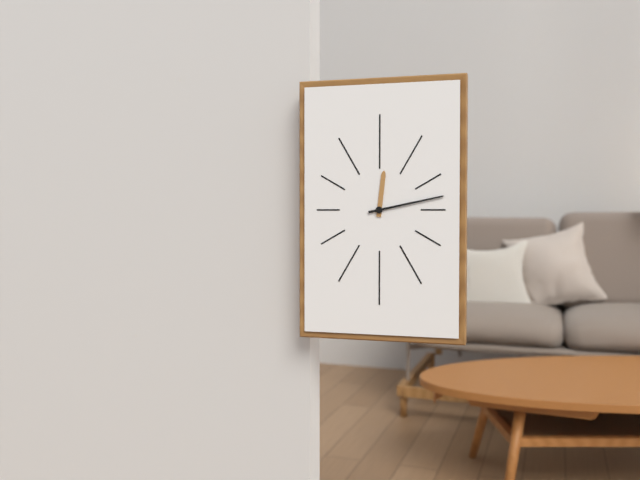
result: 12 h 13 min
